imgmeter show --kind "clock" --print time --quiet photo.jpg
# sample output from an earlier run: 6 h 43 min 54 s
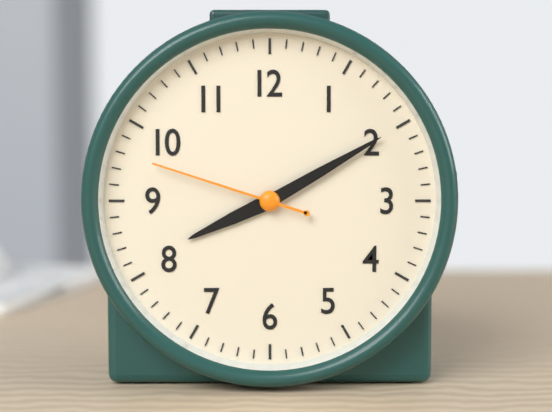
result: 8 h 10 min 48 s
